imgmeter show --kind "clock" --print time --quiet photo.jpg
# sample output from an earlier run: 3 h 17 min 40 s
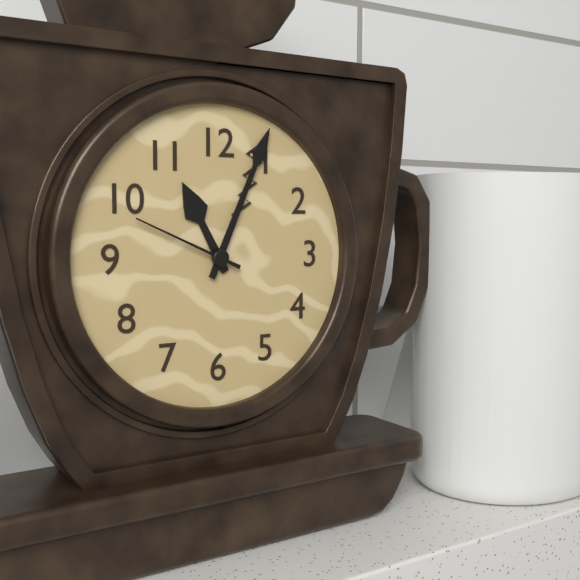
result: 11 h 04 min 49 s
